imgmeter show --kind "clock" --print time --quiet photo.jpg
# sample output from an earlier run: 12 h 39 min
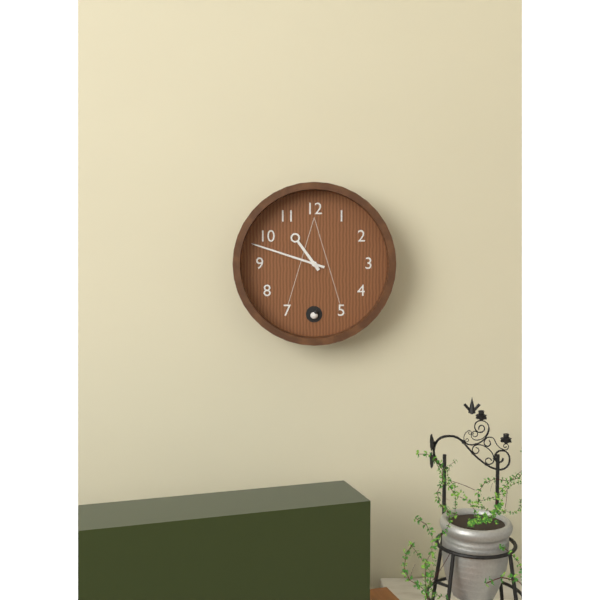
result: 10 h 48 min
